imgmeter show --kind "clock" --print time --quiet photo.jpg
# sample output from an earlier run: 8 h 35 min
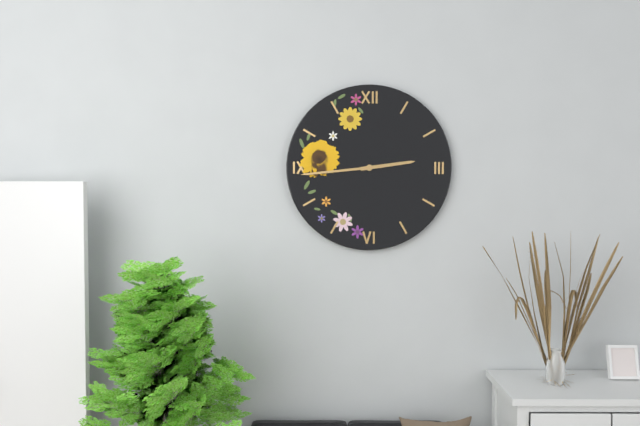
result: 2 h 44 min
